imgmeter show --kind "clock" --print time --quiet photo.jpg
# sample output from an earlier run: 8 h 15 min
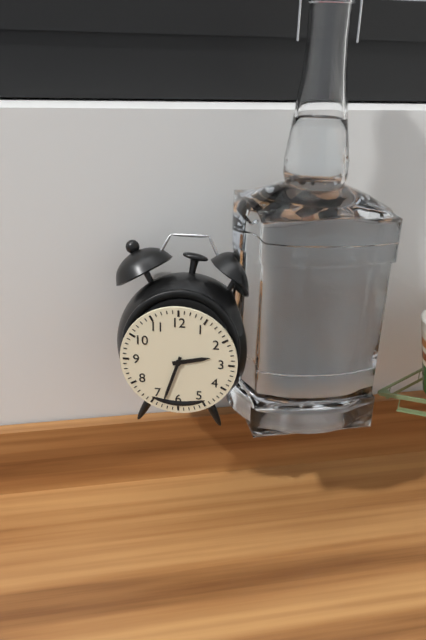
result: 2 h 33 min
